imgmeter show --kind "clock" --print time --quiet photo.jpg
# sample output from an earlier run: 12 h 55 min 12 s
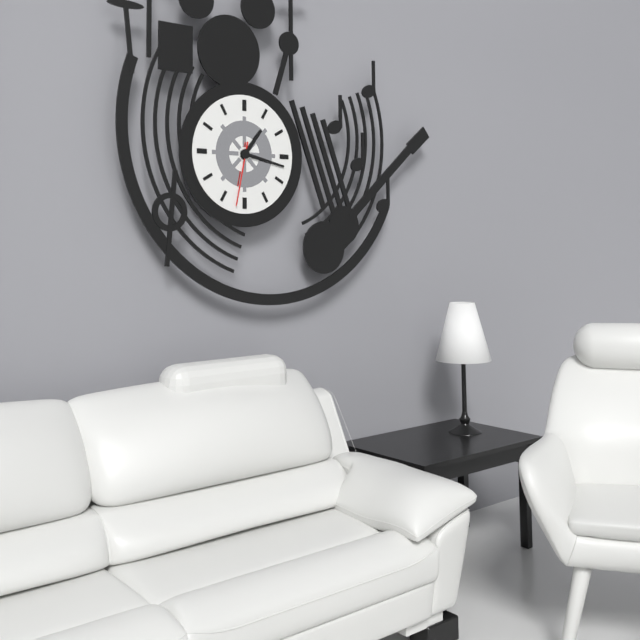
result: 1 h 17 min 32 s
